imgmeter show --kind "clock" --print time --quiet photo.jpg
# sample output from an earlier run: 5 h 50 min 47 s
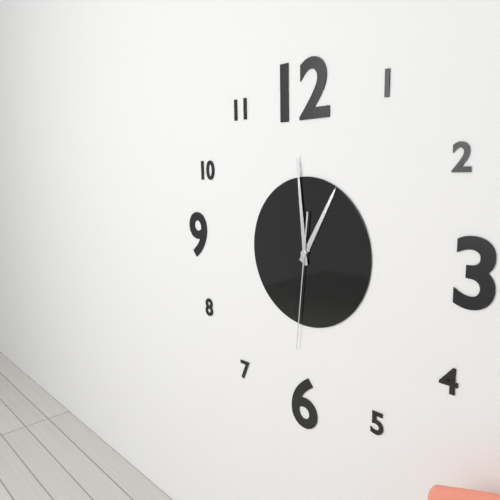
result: 12 h 59 min 31 s
